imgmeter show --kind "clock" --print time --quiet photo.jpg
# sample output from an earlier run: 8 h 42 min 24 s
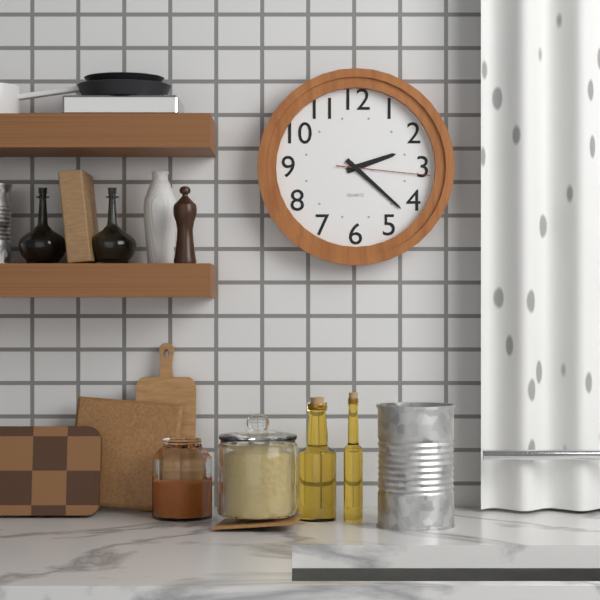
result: 2 h 22 min 16 s
